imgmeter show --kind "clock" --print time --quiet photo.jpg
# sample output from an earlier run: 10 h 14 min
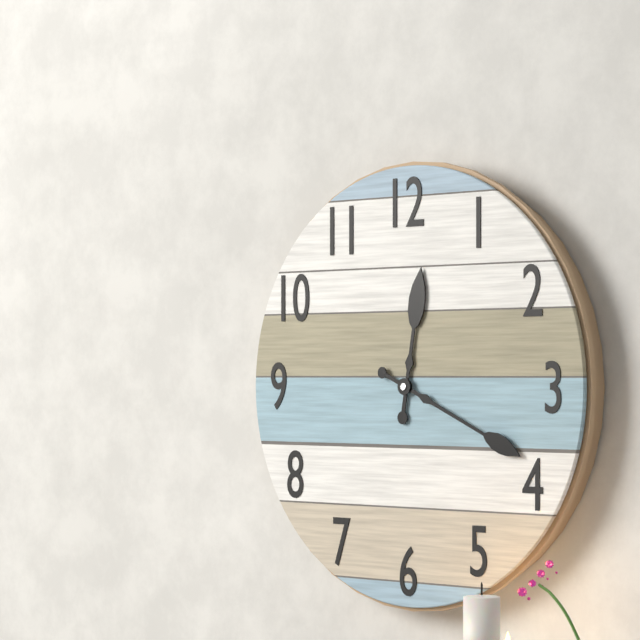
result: 12 h 19 min
